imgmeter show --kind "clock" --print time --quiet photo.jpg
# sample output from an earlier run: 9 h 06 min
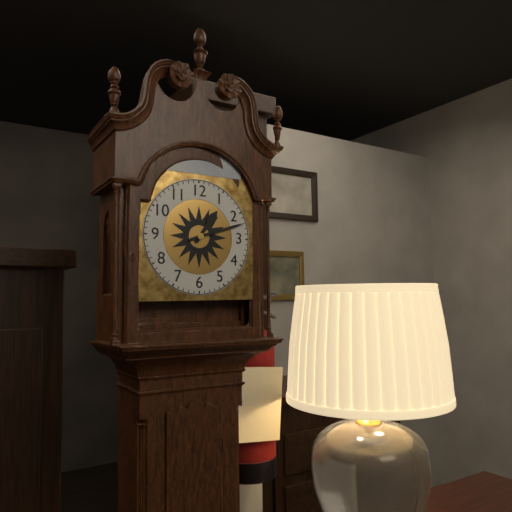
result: 1 h 12 min
